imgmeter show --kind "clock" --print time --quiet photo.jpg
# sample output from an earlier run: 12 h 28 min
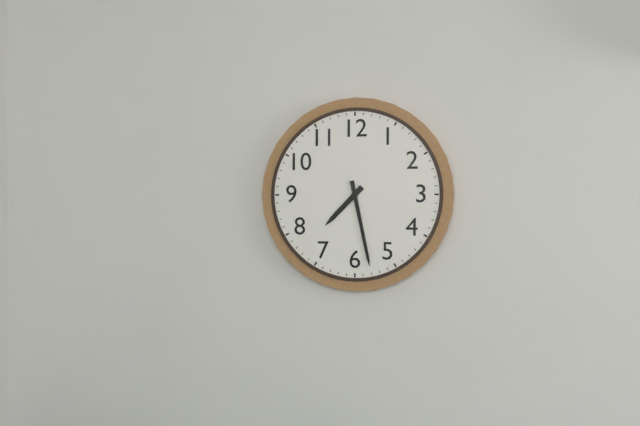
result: 7 h 28 min
